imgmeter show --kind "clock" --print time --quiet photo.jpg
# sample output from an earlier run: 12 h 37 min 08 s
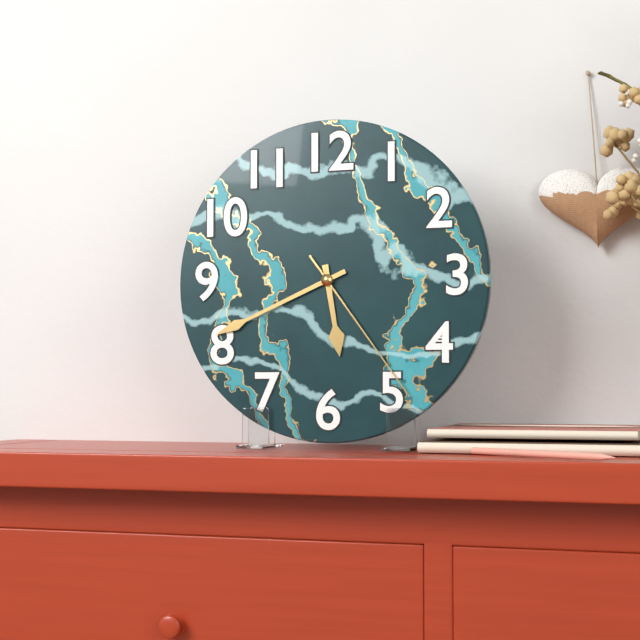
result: 5 h 41 min 24 s
